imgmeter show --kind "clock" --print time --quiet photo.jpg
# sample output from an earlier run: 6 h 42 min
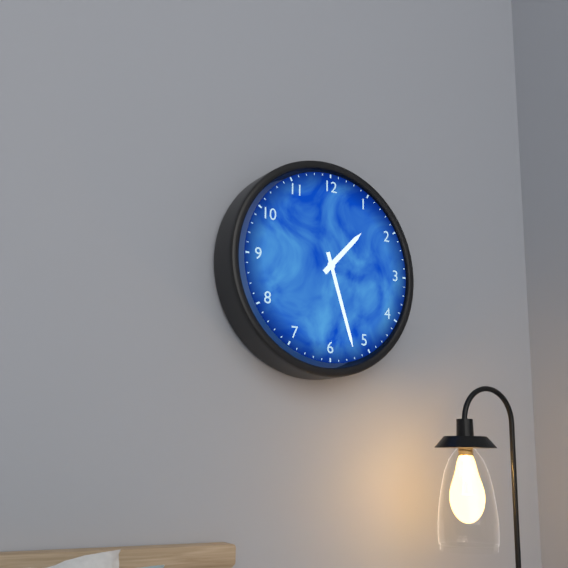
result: 1 h 27 min
